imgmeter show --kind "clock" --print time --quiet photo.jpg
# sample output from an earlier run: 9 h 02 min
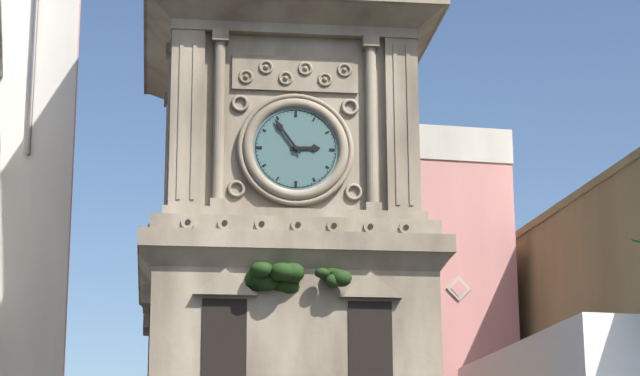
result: 2 h 54 min
